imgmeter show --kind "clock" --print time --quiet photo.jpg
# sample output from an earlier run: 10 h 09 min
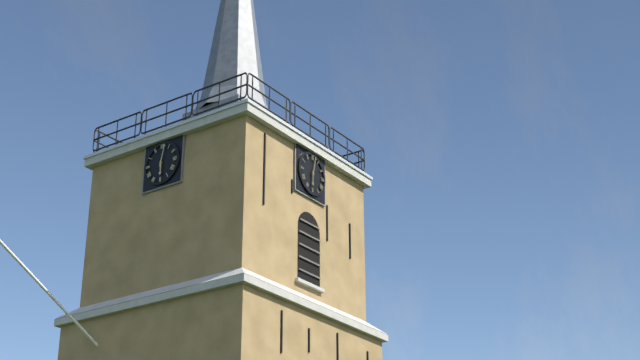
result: 6 h 02 min
